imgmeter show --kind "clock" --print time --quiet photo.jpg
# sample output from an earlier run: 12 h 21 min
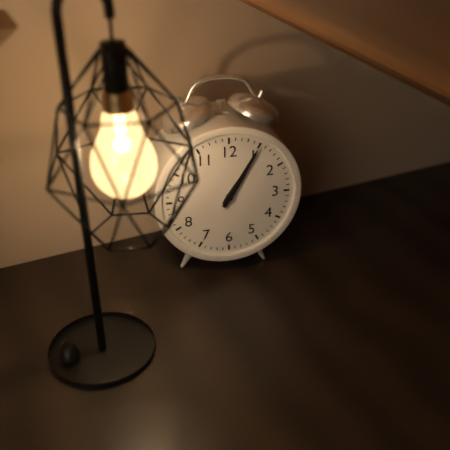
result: 1 h 05 min
